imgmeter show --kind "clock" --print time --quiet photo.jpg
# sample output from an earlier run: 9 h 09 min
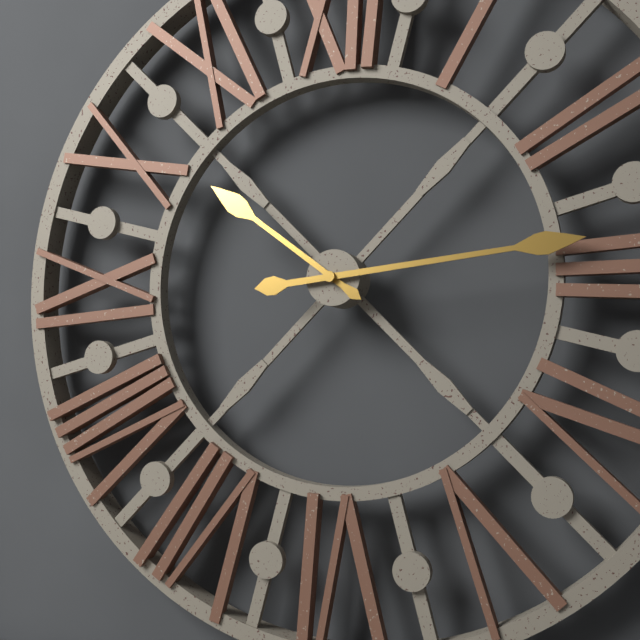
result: 10 h 14 min
